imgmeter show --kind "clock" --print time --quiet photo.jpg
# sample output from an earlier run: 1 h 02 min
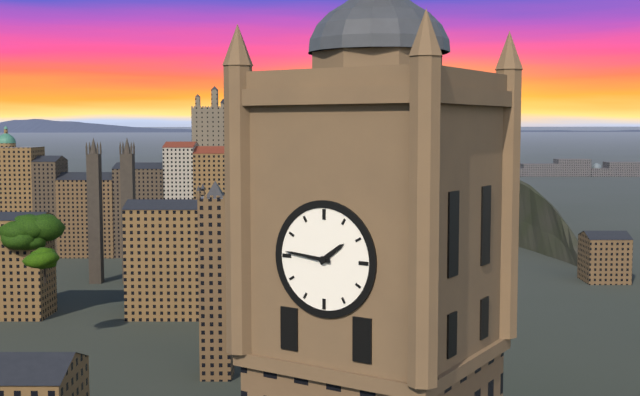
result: 1 h 46 min
